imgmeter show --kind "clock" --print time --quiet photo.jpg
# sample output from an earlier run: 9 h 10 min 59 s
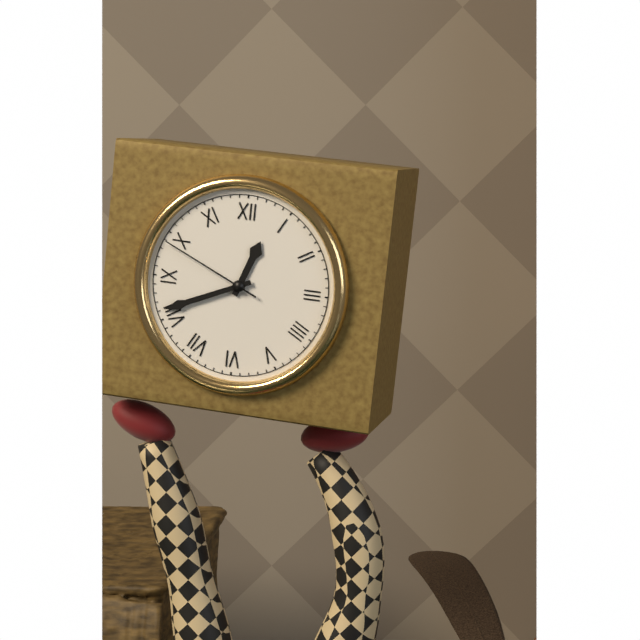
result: 12 h 41 min 49 s
